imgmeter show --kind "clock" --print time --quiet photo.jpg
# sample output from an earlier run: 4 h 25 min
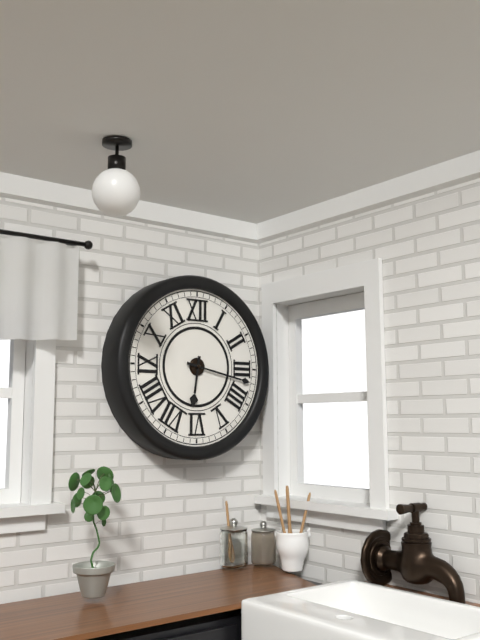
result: 6 h 17 min
